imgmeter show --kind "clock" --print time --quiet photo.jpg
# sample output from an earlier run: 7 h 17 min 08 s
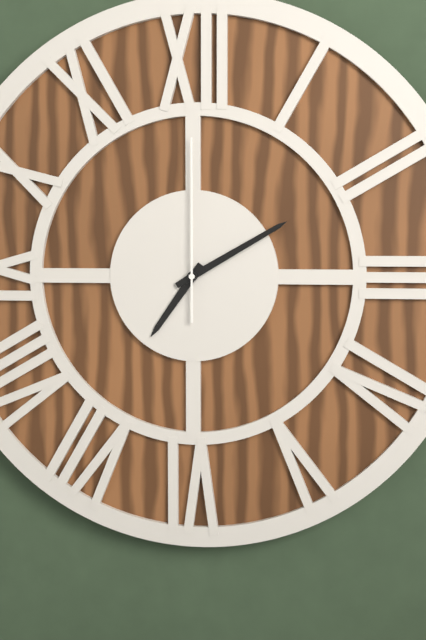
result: 7 h 10 min 00 s
